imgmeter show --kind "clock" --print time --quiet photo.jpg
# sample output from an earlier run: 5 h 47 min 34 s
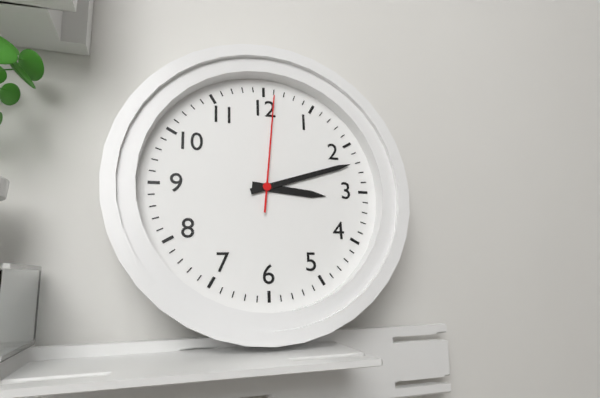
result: 3 h 12 min 01 s
